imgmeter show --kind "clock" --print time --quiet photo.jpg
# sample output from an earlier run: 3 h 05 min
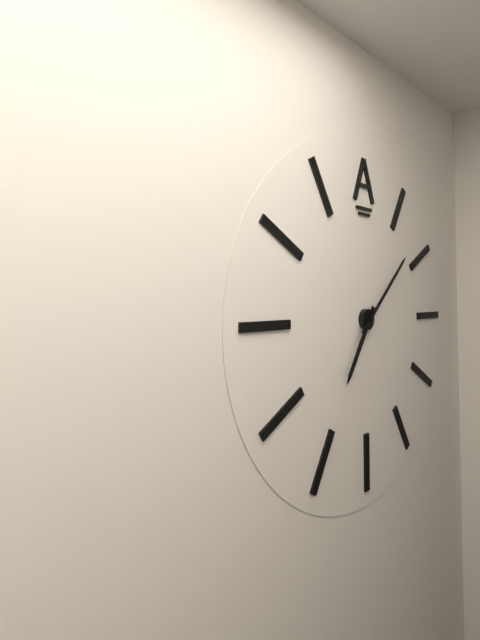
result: 7 h 08 min
